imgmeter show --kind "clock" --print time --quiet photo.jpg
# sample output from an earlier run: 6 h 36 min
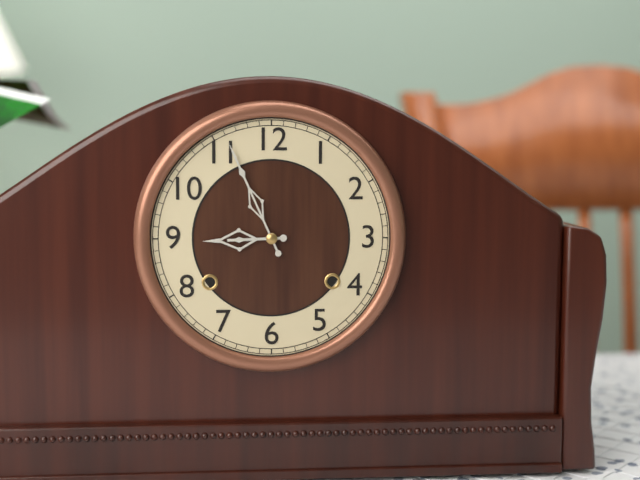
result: 8 h 56 min
